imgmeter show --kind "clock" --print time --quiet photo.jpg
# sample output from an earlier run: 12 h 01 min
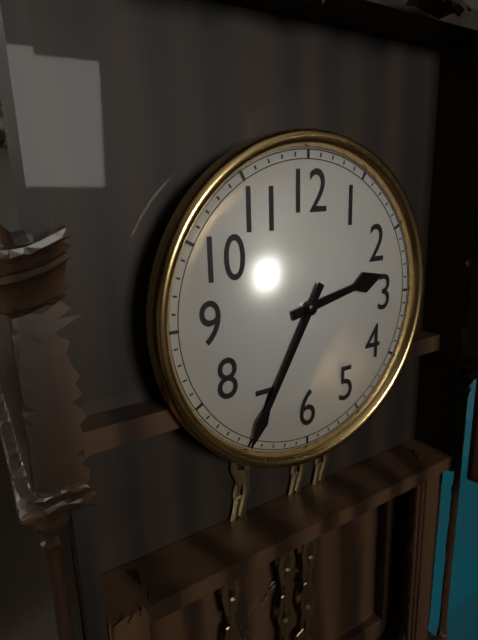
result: 2 h 35 min
